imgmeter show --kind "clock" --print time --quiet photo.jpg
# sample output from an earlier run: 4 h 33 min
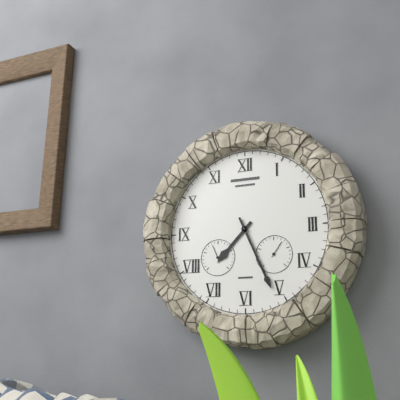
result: 7 h 26 min
